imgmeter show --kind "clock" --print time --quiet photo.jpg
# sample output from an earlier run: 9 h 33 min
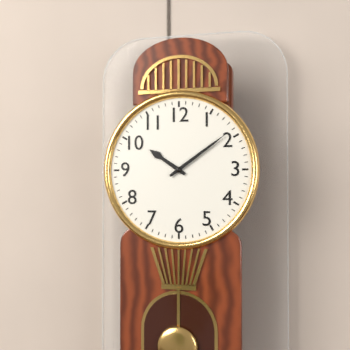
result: 10 h 09 min
